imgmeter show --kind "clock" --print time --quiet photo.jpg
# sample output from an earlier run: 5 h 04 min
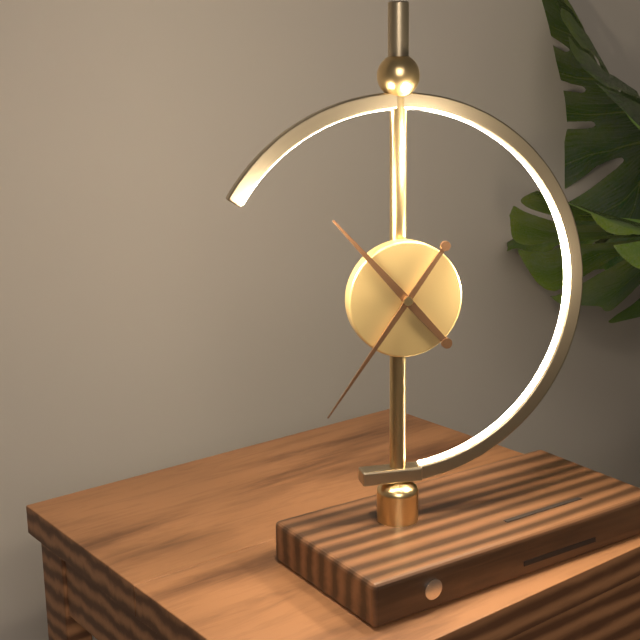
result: 10 h 36 min
